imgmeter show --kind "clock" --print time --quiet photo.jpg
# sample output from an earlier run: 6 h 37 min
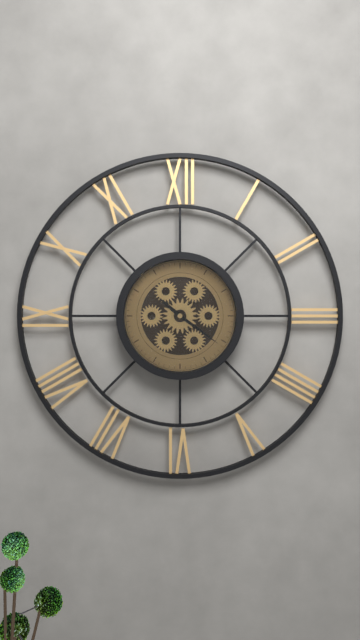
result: 10 h 21 min
